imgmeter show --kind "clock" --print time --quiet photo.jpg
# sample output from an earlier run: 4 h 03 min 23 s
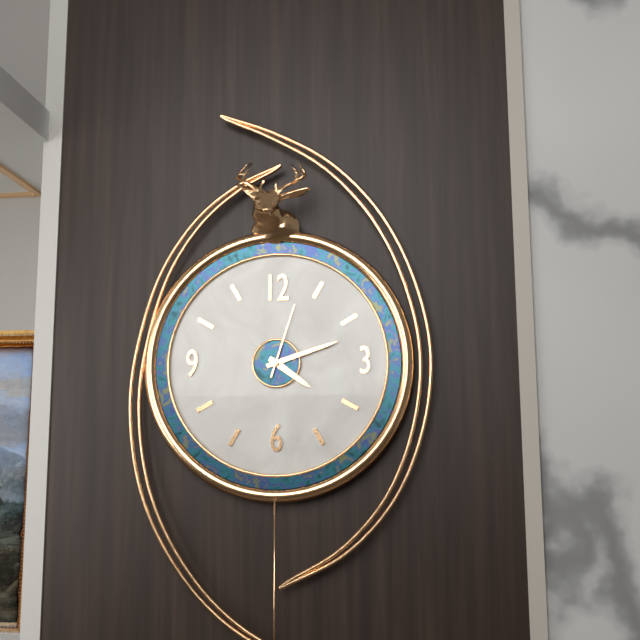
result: 4 h 12 min 03 s
